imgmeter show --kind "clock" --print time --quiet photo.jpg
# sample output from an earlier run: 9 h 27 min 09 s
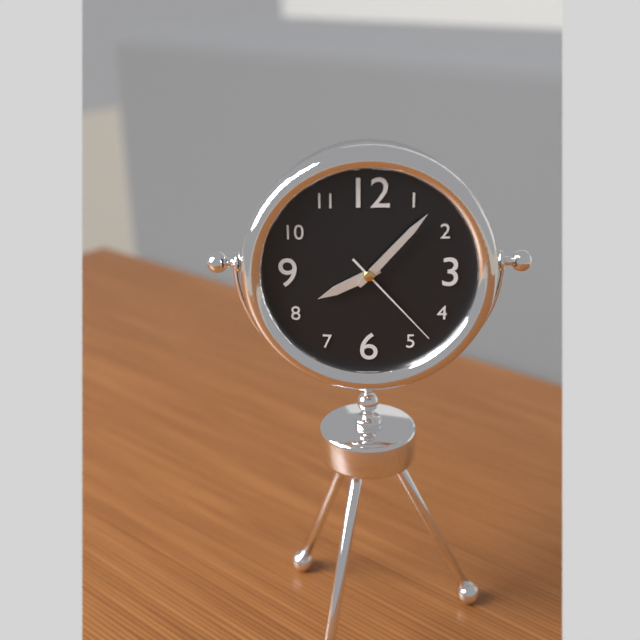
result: 8 h 07 min 23 s
